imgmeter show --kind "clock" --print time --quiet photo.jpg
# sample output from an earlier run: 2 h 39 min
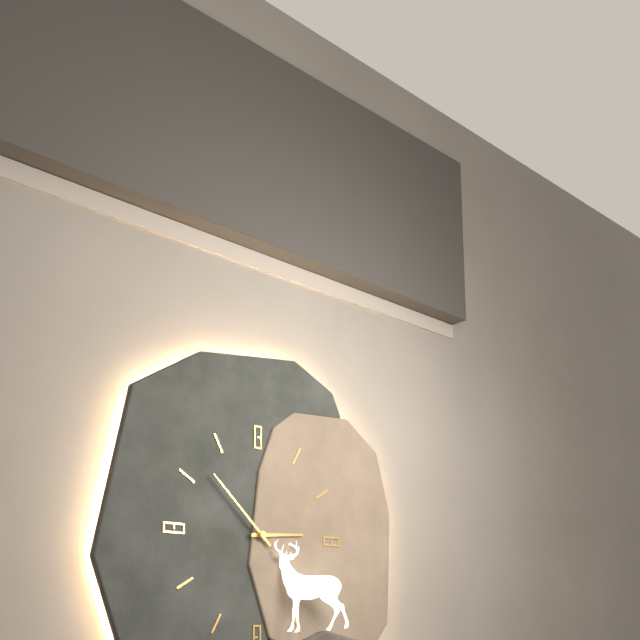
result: 2 h 52 min
